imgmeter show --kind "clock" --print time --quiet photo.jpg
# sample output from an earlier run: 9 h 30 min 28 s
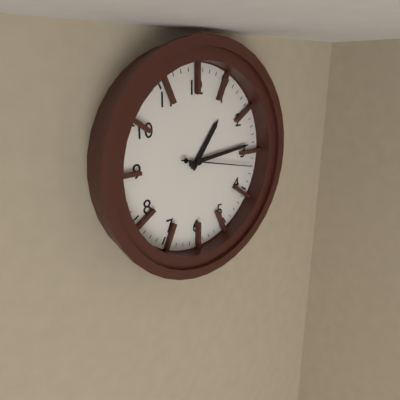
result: 1 h 14 min 17 s
